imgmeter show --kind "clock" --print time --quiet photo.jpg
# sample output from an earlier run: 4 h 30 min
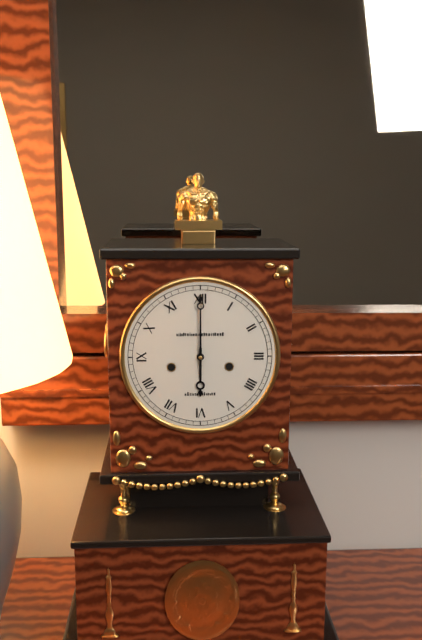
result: 6 h 00 min
